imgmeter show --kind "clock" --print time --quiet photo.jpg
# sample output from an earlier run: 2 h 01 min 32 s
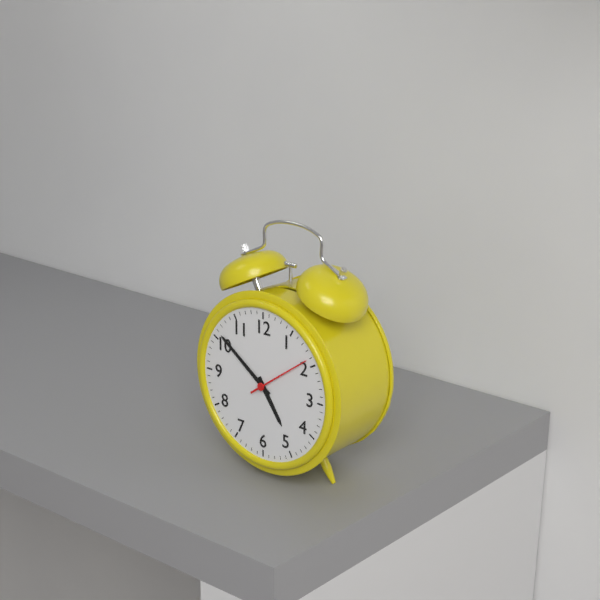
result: 4 h 51 min 09 s
